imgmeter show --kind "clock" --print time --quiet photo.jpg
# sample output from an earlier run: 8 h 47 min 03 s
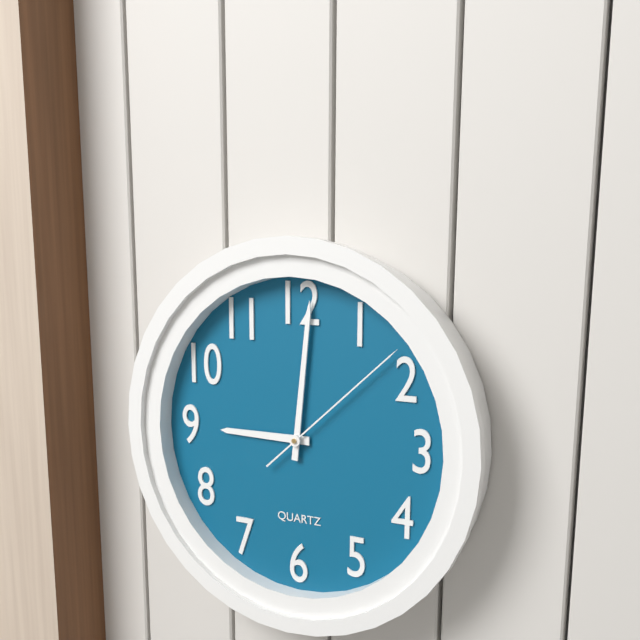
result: 9 h 01 min 08 s
